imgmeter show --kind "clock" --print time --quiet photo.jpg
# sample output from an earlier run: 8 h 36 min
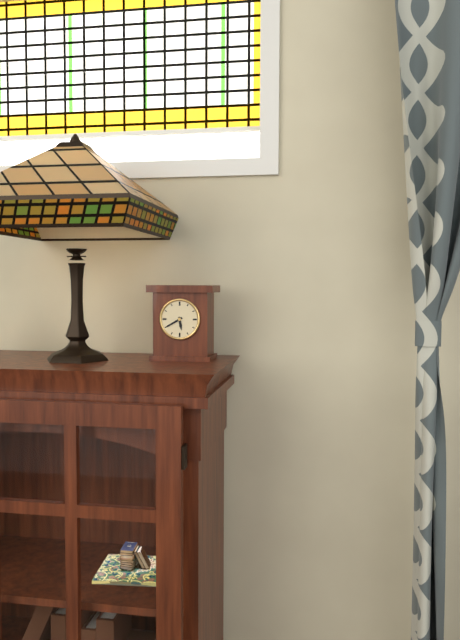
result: 5 h 40 min
